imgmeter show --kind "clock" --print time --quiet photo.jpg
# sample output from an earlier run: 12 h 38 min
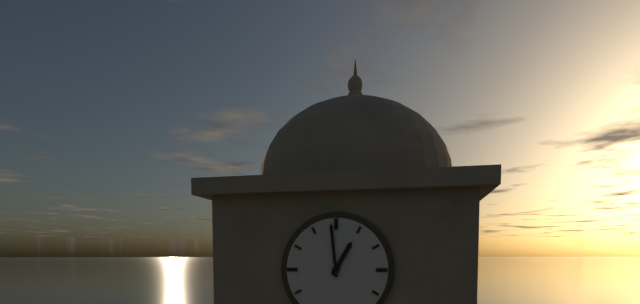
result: 12 h 59 min
